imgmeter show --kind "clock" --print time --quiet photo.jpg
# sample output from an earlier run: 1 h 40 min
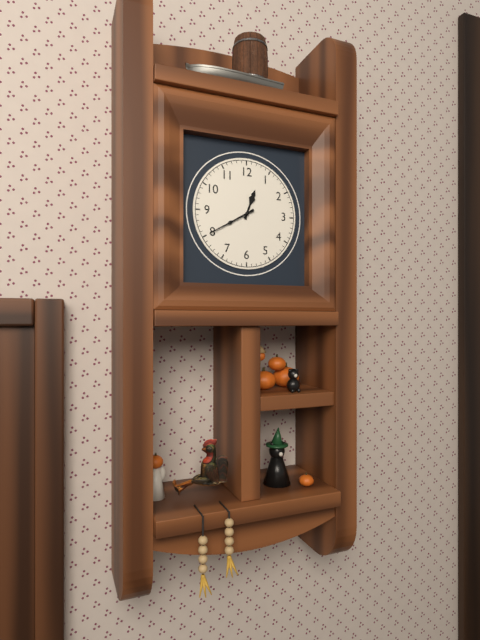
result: 12 h 40 min
